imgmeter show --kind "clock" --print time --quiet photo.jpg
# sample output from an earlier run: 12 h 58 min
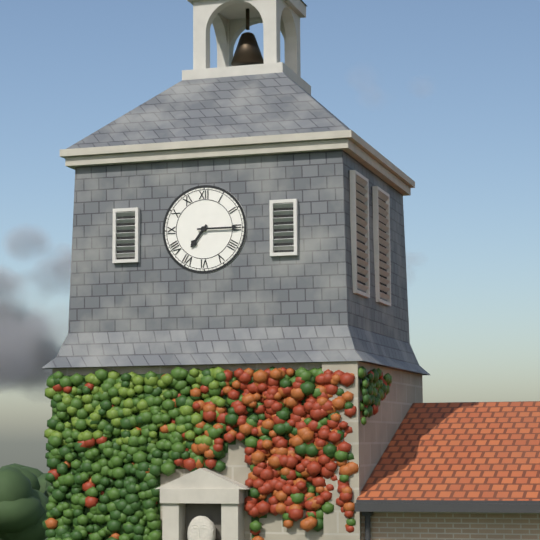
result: 7 h 15 min
